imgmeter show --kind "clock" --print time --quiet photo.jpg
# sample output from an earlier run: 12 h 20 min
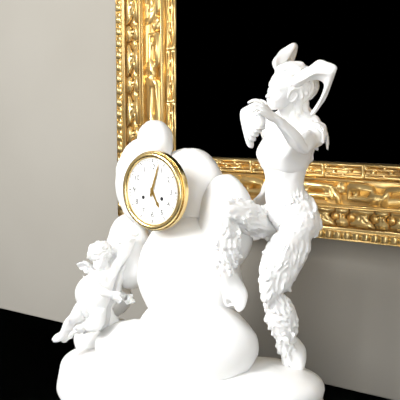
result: 5 h 03 min
